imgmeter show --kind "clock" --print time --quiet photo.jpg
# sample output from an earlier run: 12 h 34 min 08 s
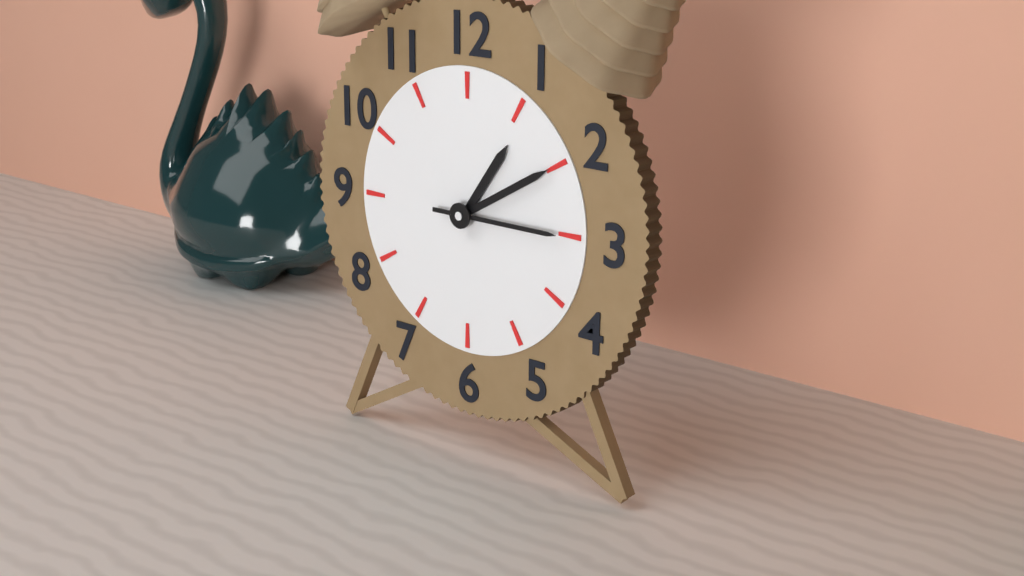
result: 1 h 10 min 15 s
